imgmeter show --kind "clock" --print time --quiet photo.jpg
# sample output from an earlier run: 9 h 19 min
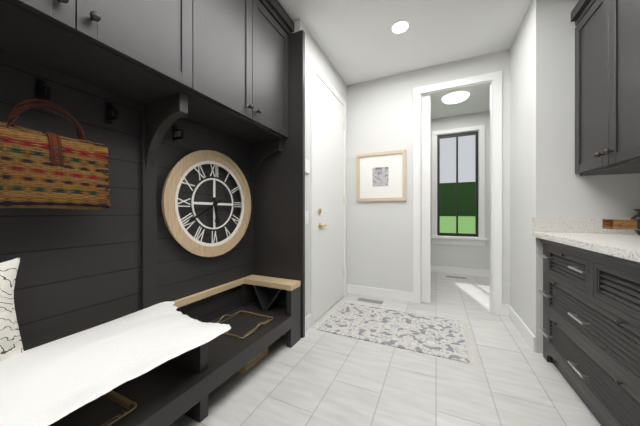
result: 5 h 40 min
